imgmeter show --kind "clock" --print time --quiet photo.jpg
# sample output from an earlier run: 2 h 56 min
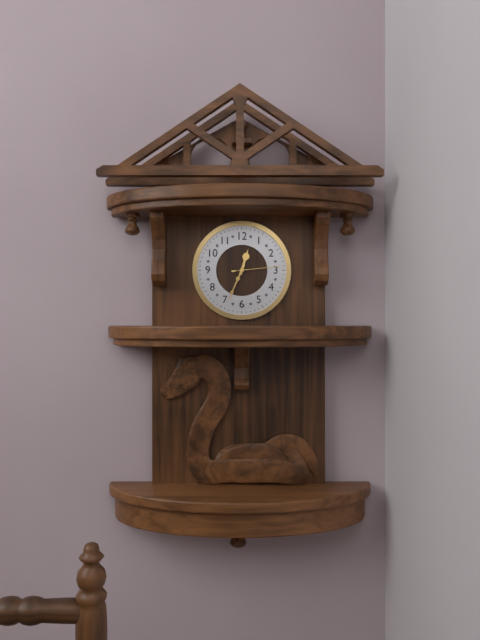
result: 12 h 34 min
